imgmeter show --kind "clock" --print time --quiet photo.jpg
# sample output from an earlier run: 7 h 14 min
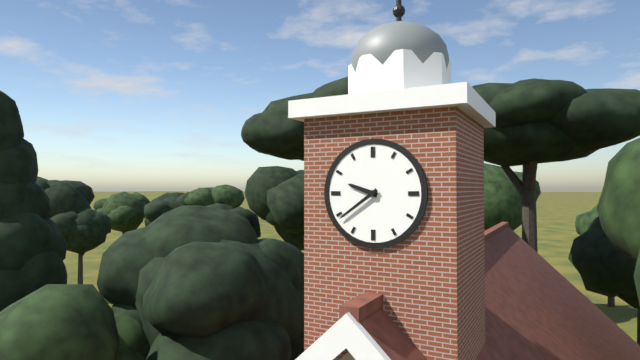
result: 9 h 39 min
